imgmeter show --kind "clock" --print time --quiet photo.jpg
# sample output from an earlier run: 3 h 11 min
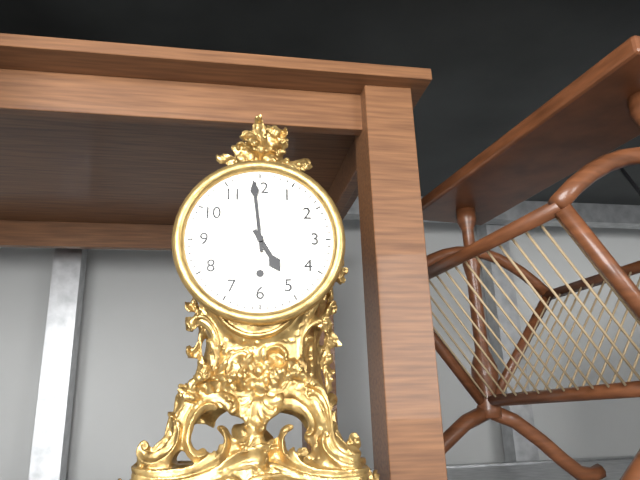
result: 4 h 59 min
